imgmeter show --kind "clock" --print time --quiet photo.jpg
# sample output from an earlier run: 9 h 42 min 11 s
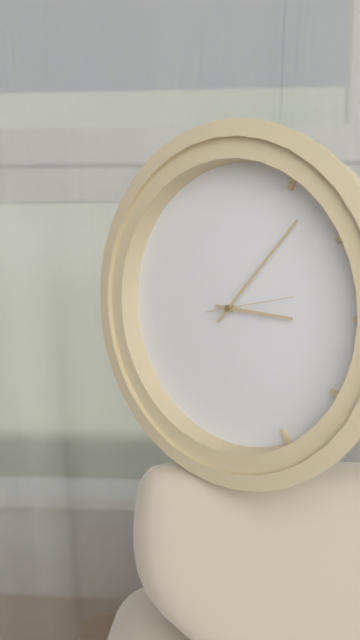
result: 3 h 07 min 13 s
